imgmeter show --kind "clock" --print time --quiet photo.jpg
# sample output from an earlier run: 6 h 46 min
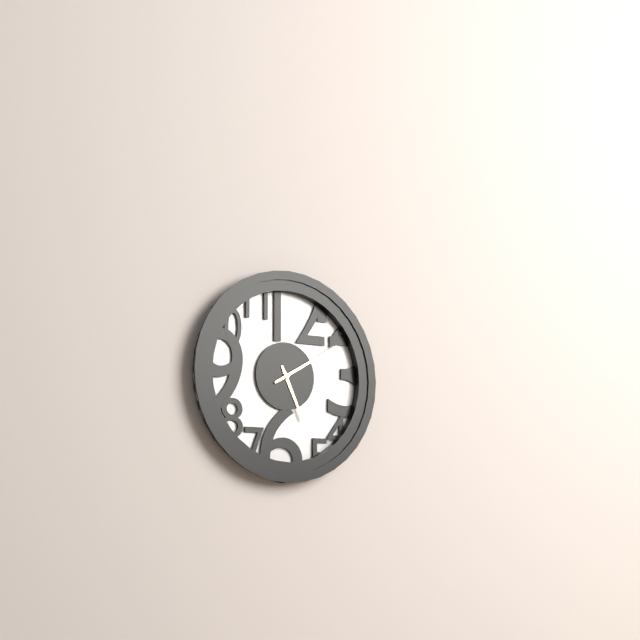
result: 5 h 10 min
